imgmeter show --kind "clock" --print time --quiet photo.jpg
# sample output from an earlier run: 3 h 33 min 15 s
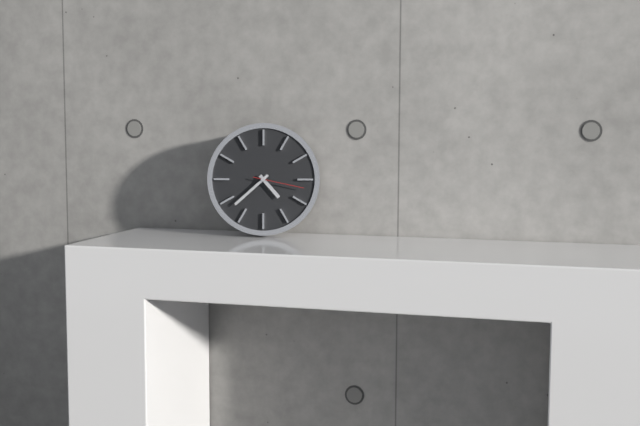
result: 4 h 38 min 17 s
